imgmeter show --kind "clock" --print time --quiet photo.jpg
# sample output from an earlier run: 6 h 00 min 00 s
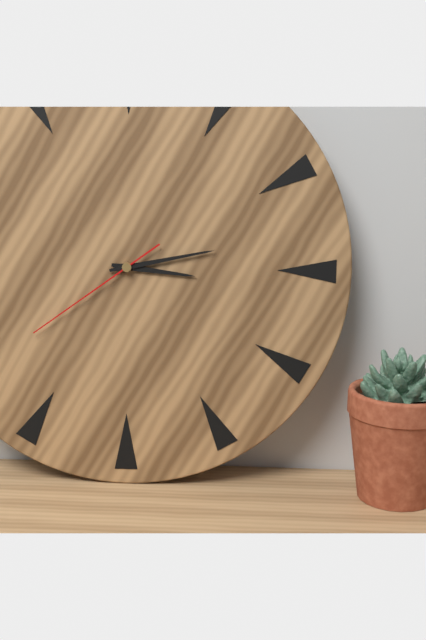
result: 3 h 13 min 39 s
